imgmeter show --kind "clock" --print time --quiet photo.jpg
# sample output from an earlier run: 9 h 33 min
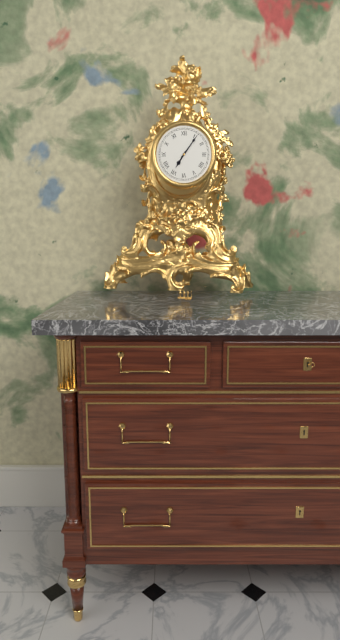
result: 7 h 06 min
